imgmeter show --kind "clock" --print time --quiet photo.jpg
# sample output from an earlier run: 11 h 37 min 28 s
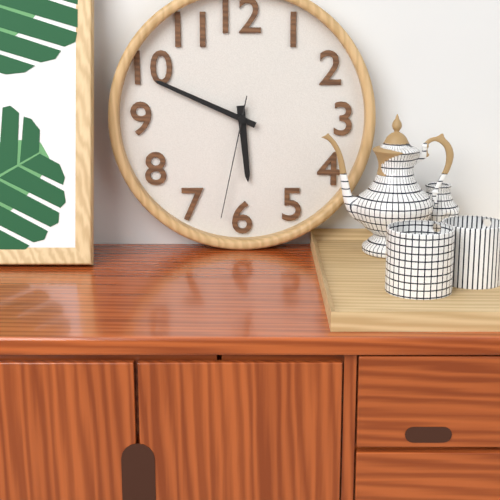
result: 5 h 49 min 32 s
